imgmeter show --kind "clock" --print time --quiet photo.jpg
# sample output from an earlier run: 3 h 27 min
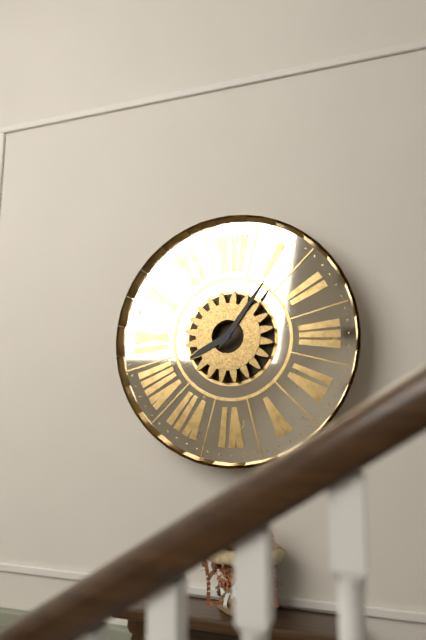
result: 8 h 06 min
